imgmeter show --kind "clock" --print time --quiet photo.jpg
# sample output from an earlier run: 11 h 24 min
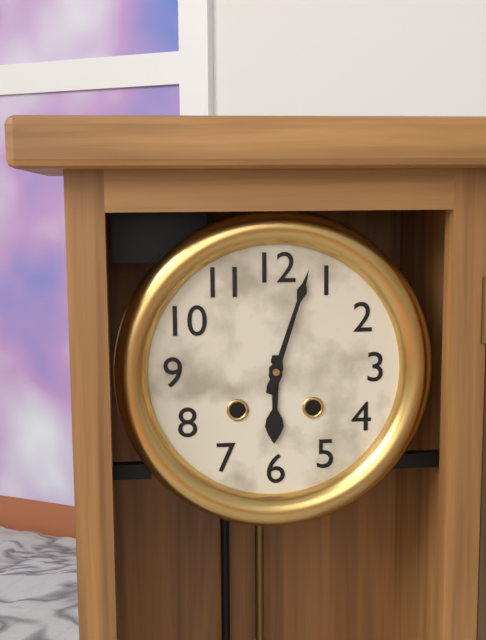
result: 6 h 03 min
